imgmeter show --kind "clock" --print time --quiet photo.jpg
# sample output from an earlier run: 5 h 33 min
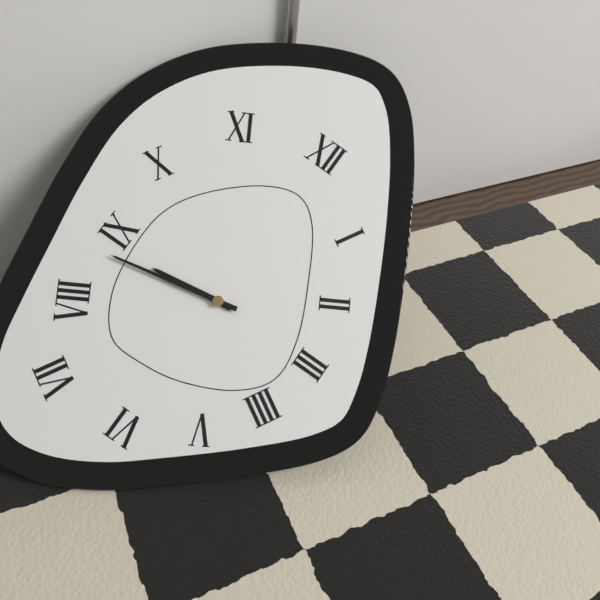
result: 8 h 43 min
